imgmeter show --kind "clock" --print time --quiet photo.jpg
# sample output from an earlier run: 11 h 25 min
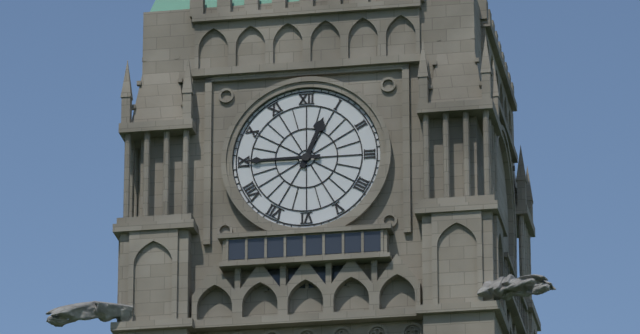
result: 12 h 45 min
